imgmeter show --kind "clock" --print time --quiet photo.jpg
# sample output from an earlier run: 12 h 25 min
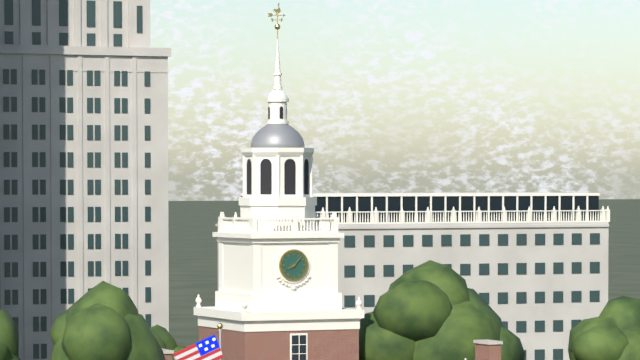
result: 8 h 07 min
